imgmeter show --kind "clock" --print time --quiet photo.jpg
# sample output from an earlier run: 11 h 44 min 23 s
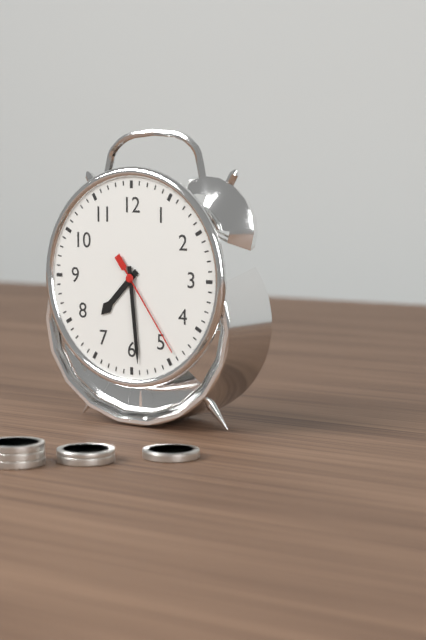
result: 7 h 29 min 24 s
